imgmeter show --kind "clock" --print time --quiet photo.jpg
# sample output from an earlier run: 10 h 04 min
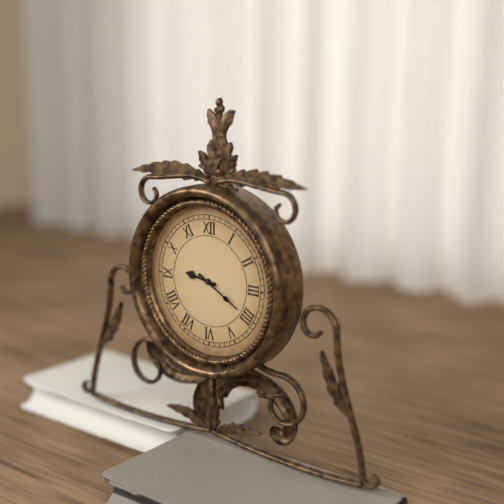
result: 9 h 20 min
